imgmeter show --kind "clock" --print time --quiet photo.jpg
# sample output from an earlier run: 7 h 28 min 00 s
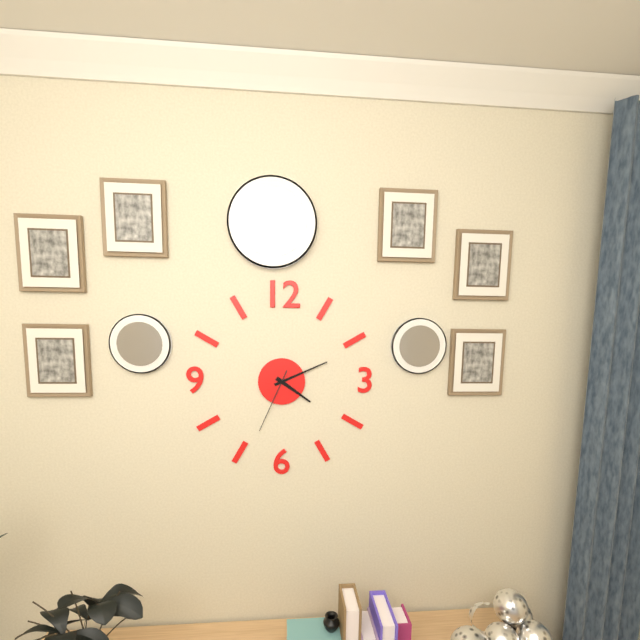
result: 4 h 11 min 34 s
